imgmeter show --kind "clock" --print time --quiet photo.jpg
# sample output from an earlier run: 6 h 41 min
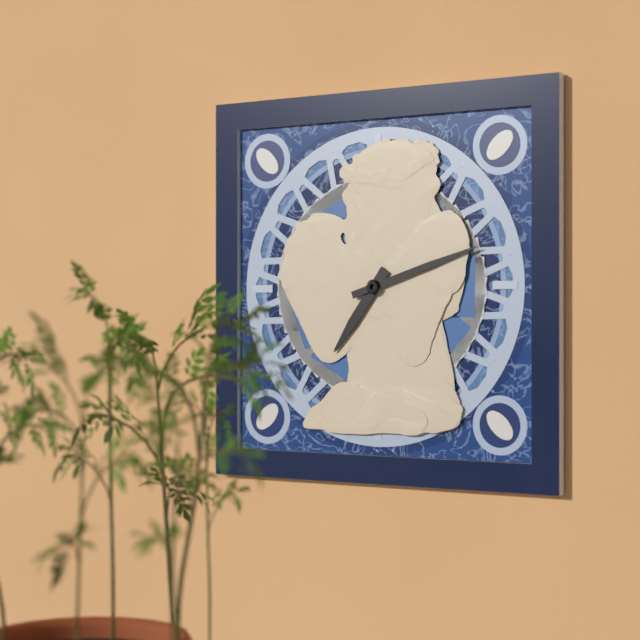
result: 7 h 12 min
